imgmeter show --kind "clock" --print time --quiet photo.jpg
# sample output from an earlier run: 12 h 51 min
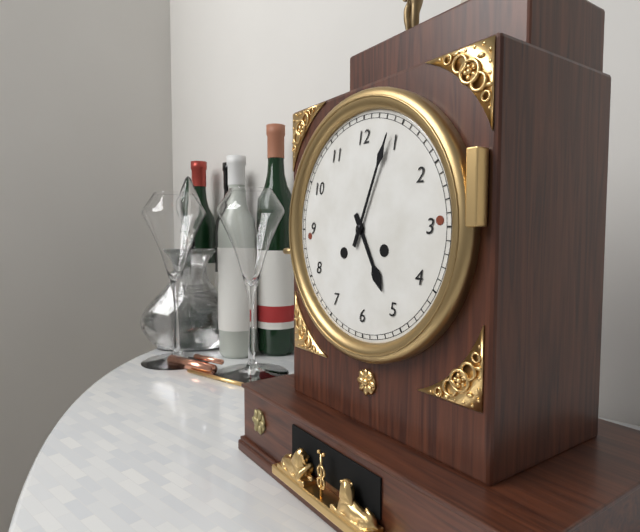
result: 5 h 04 min
